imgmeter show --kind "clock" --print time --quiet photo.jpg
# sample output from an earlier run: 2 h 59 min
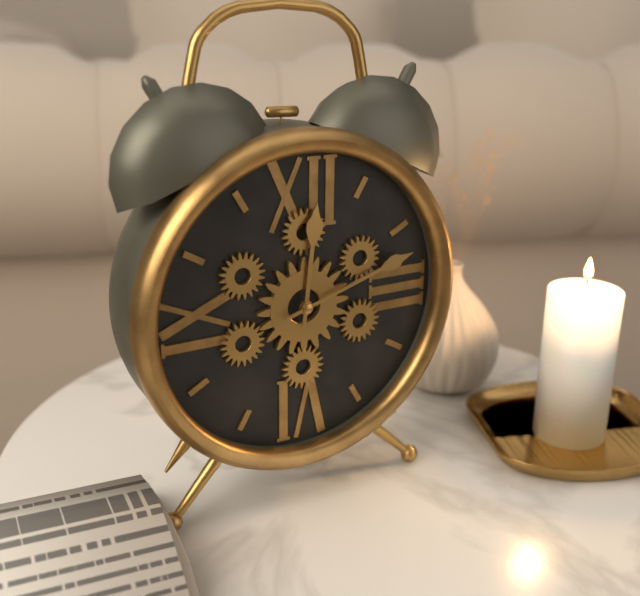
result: 12 h 12 min
